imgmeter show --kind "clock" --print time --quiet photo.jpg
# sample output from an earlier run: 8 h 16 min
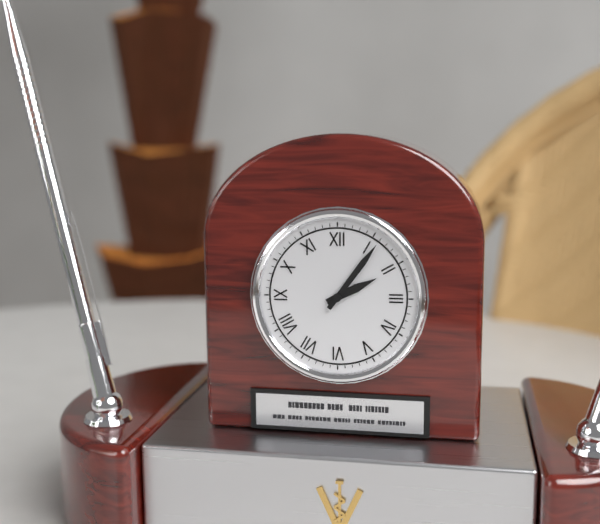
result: 2 h 06 min
